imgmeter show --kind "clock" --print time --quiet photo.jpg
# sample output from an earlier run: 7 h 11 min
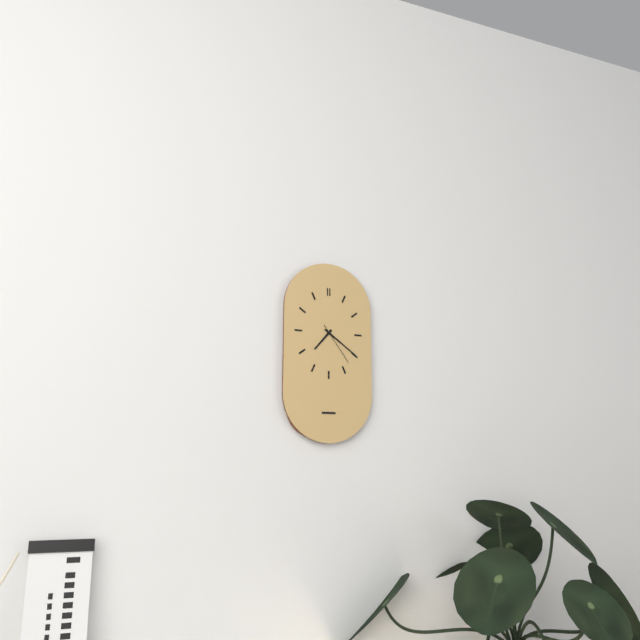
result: 7 h 21 min
